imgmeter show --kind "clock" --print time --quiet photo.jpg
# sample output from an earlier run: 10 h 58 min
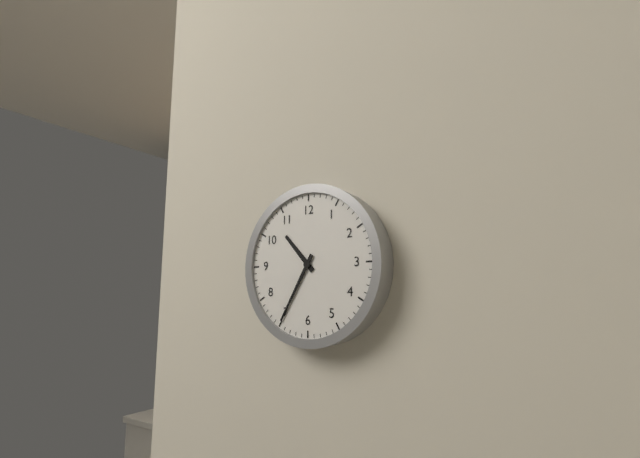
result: 10 h 35 min
